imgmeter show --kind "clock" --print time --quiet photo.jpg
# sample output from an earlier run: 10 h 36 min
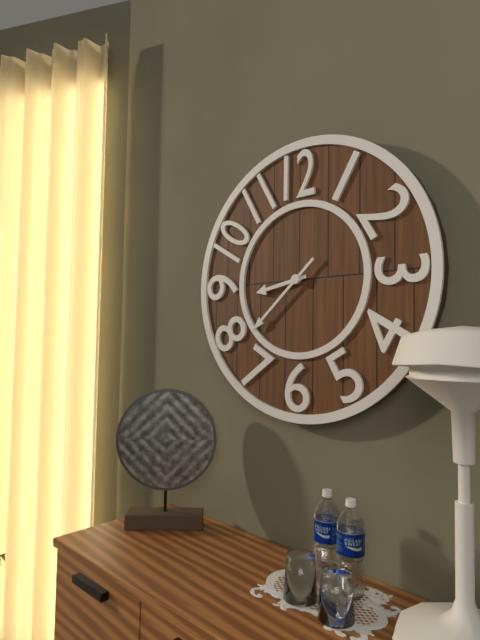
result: 8 h 38 min
